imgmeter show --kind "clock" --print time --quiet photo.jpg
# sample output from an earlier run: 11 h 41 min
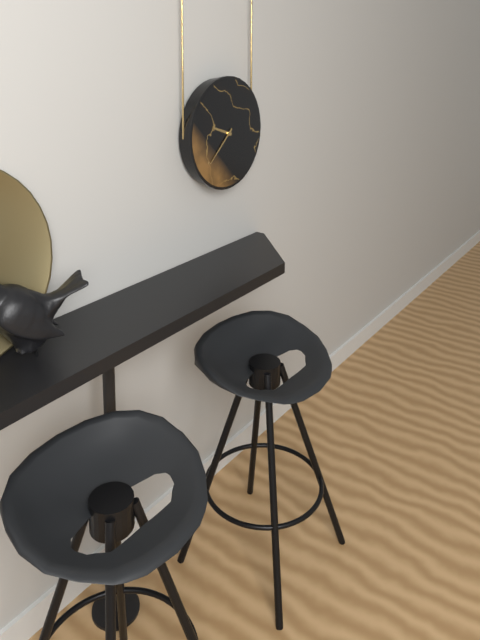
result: 9 h 38 min
